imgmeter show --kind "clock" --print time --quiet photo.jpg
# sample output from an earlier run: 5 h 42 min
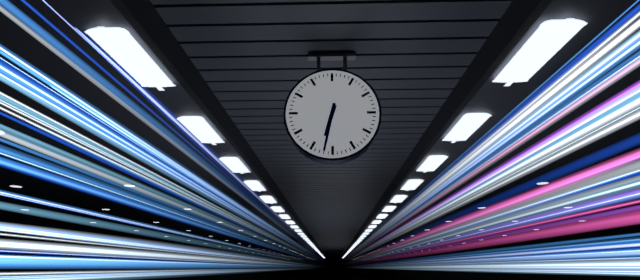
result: 6 h 32 min
